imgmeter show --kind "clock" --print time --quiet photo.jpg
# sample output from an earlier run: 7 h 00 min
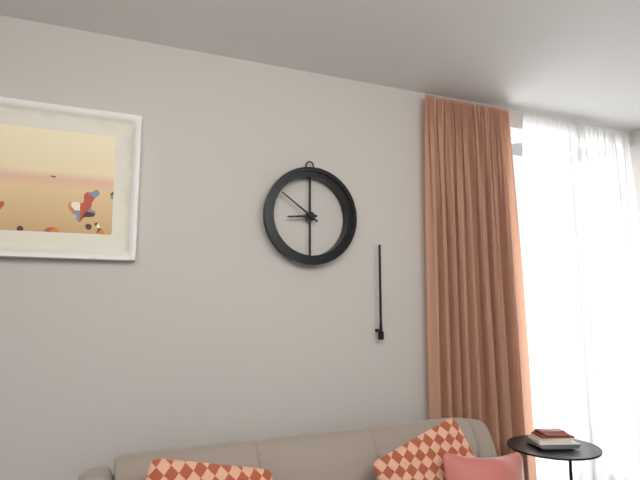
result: 8 h 51 min
